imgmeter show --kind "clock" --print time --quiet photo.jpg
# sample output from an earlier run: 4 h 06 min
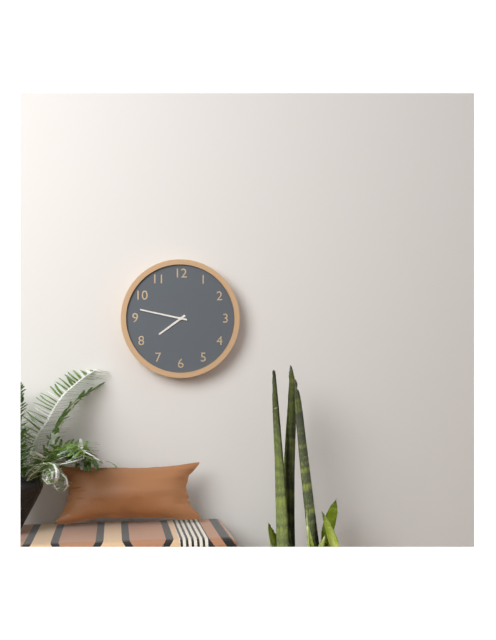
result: 7 h 47 min
